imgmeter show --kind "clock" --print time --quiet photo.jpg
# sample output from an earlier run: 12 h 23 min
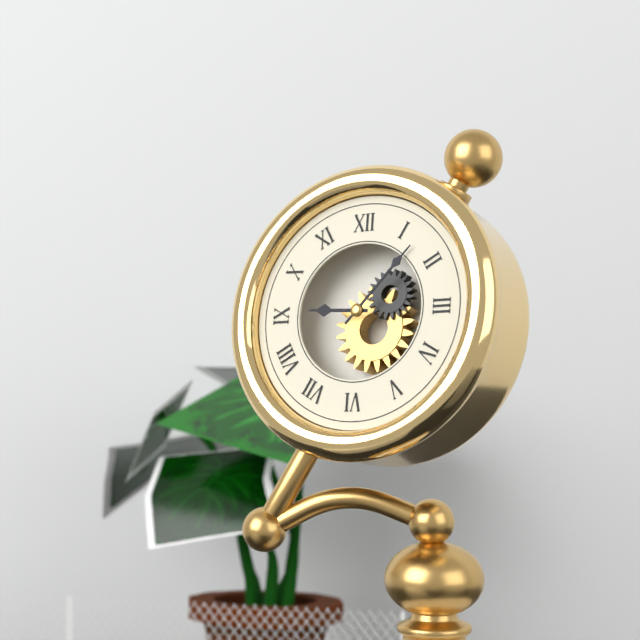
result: 9 h 07 min
